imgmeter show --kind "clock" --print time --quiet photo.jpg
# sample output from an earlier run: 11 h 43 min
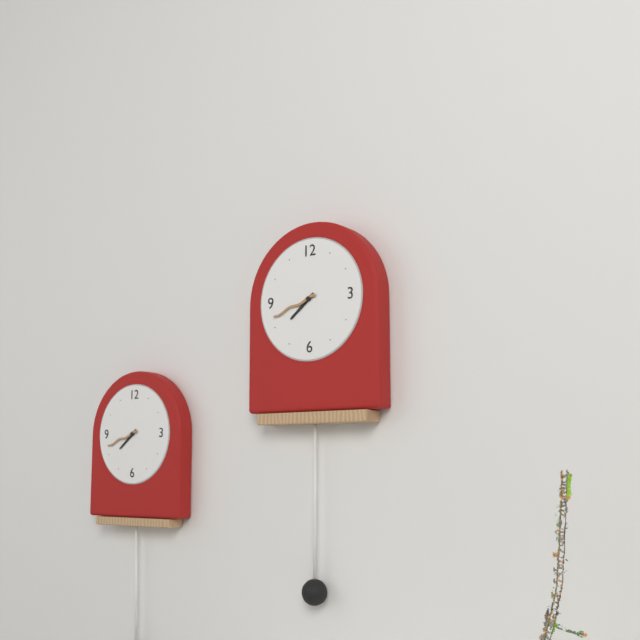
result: 7 h 42 min
